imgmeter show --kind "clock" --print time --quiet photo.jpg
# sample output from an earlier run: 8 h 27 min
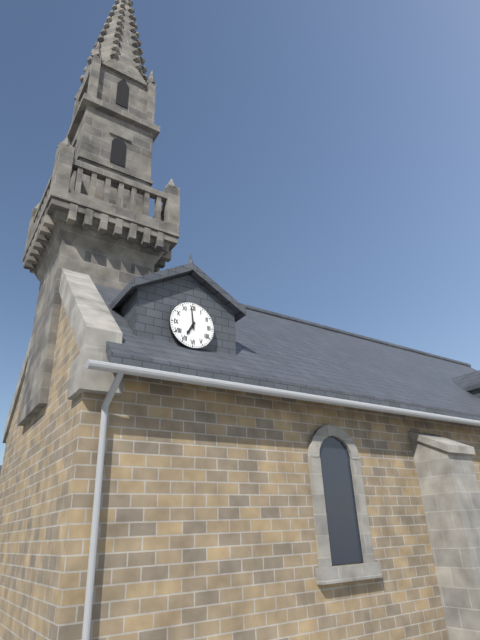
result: 6 h 59 min
